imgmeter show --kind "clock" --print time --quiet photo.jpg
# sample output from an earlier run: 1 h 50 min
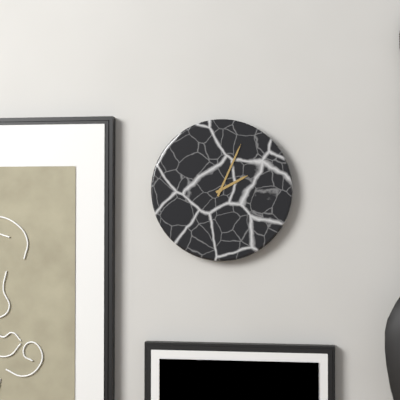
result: 2 h 04 min
